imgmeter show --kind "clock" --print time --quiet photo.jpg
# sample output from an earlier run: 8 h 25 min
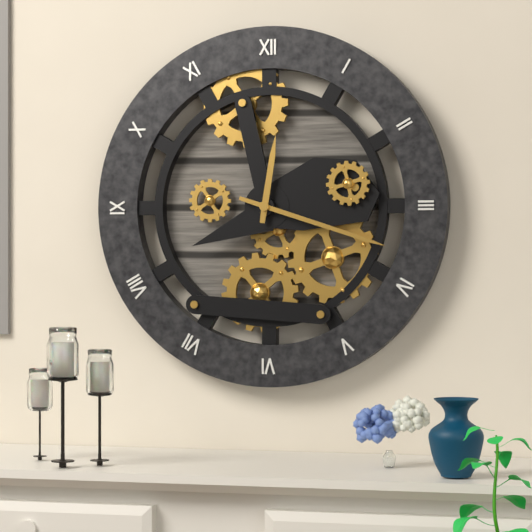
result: 12 h 18 min
